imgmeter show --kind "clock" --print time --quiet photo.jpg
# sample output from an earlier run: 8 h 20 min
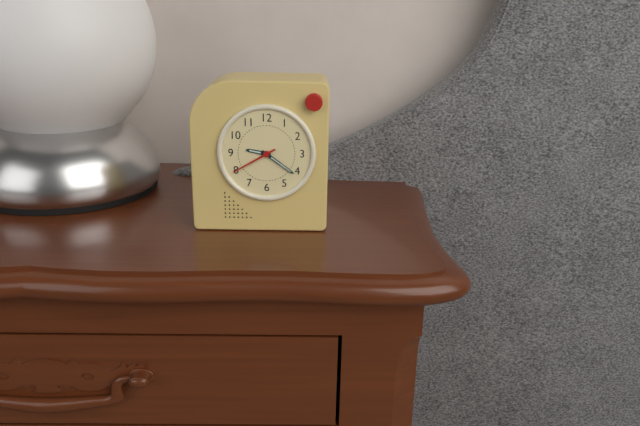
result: 9 h 21 min
